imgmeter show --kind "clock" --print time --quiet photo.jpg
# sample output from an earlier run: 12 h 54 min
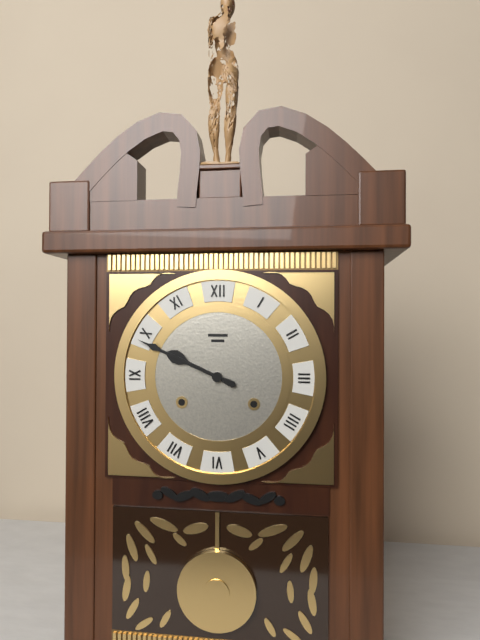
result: 9 h 49 min
